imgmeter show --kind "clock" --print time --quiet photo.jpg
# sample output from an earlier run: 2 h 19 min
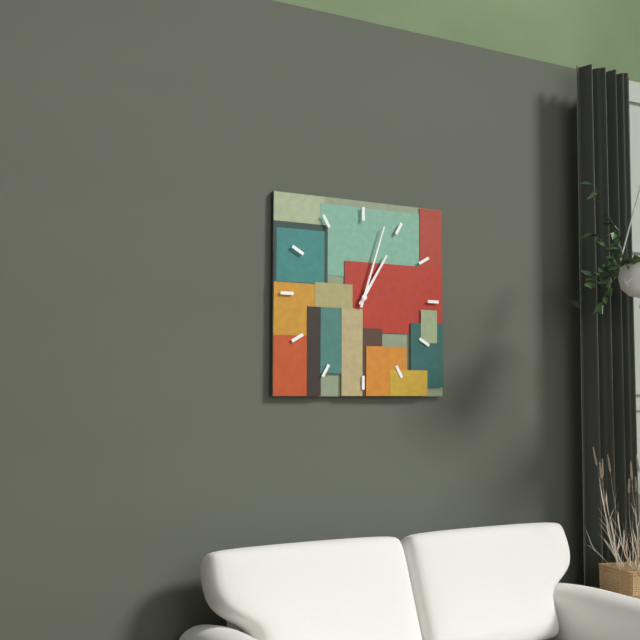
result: 1 h 03 min
